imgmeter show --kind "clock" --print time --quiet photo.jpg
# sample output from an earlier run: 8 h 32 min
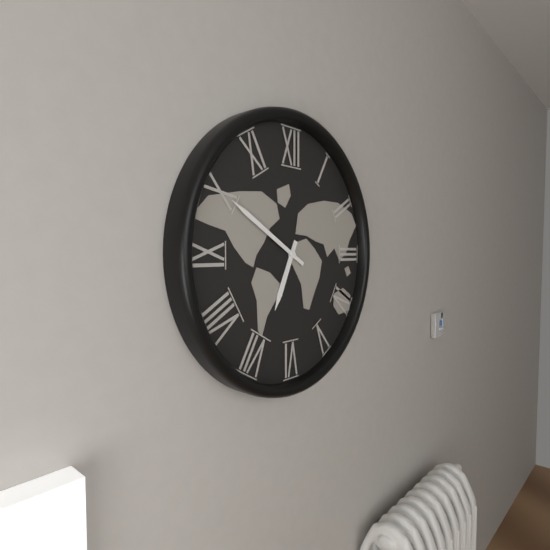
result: 6 h 50 min
